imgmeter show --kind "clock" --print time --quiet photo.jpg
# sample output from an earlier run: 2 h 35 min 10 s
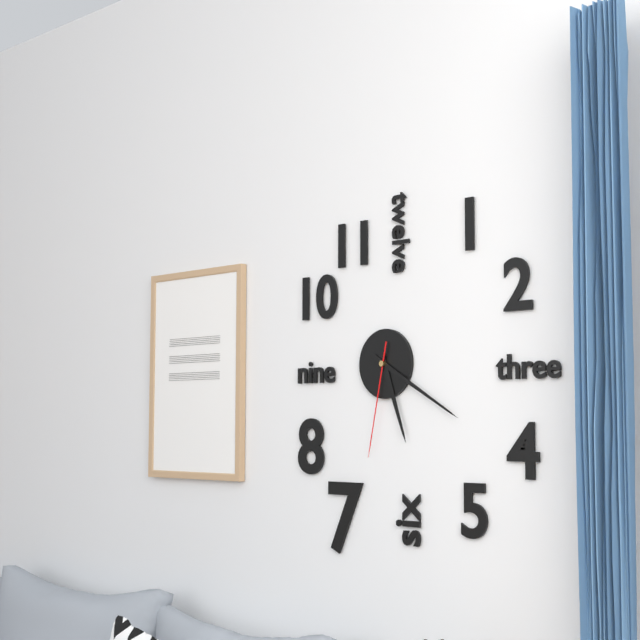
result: 5 h 20 min 32 s
